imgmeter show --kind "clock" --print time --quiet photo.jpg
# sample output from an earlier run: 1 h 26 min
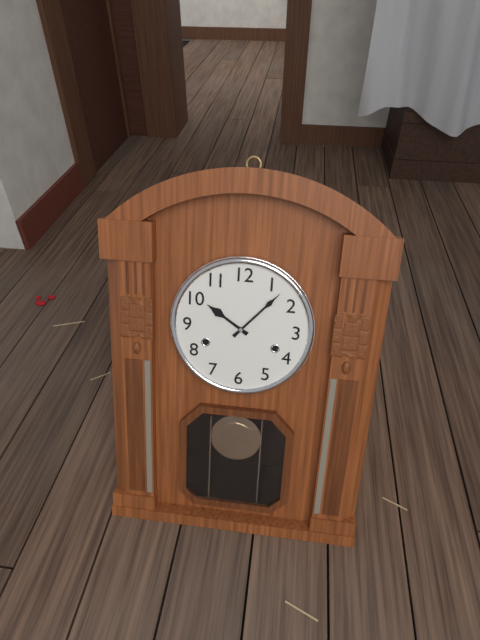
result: 10 h 07 min
